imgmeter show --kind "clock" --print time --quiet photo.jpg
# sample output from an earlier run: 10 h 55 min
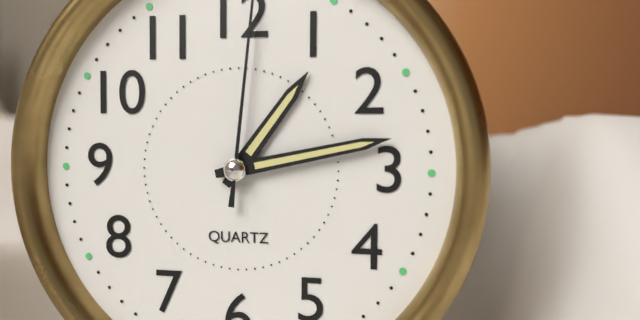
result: 1 h 13 min
